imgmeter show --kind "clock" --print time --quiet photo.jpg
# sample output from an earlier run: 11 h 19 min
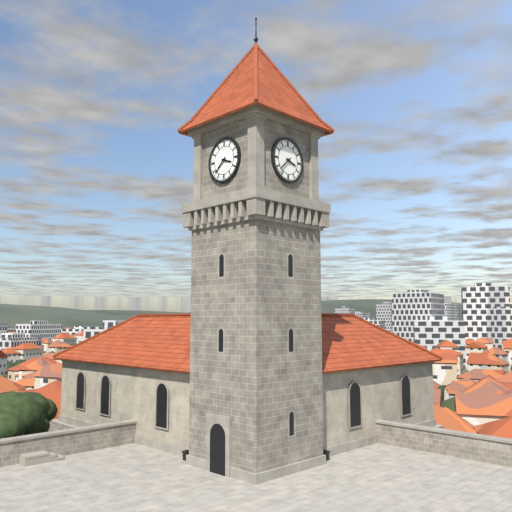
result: 3 h 38 min
